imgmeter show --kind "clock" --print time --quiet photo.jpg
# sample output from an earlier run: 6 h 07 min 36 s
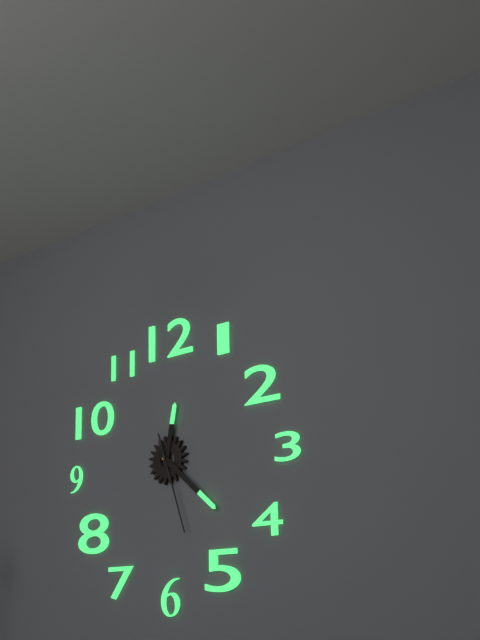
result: 12 h 22 min 27 s
